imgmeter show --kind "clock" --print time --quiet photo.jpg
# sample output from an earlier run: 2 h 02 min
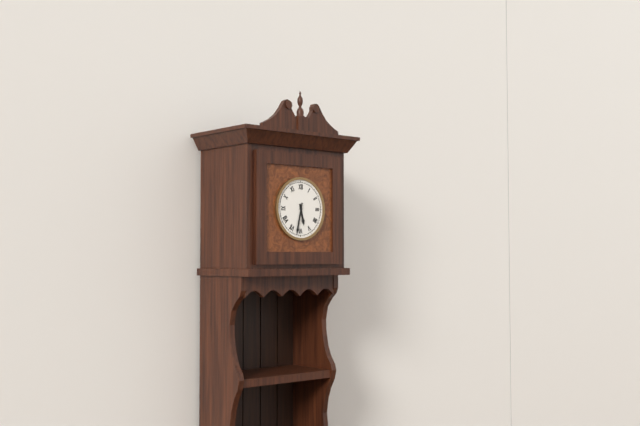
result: 5 h 32 min
